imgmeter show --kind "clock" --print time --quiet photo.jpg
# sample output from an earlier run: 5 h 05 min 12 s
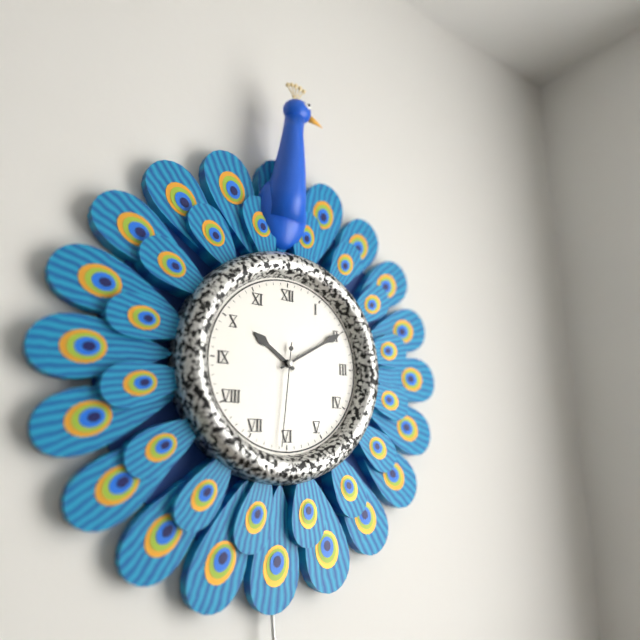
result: 10 h 10 min 31 s
